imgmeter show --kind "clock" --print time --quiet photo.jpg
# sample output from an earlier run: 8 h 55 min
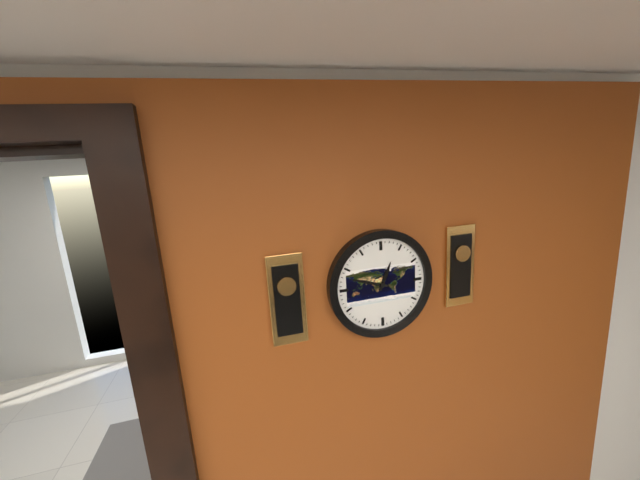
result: 12 h 48 min
